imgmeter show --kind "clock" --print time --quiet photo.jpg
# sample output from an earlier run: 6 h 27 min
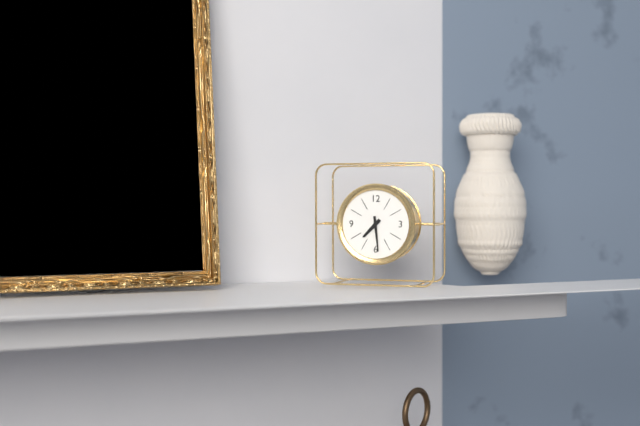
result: 7 h 29 min
